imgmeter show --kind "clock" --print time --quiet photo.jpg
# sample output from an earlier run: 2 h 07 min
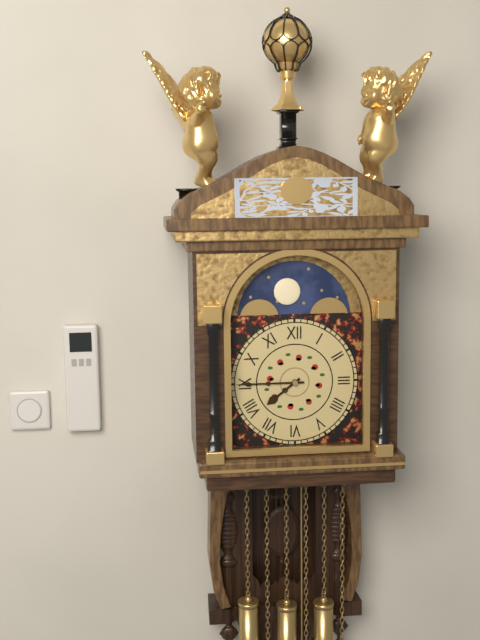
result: 7 h 45 min
